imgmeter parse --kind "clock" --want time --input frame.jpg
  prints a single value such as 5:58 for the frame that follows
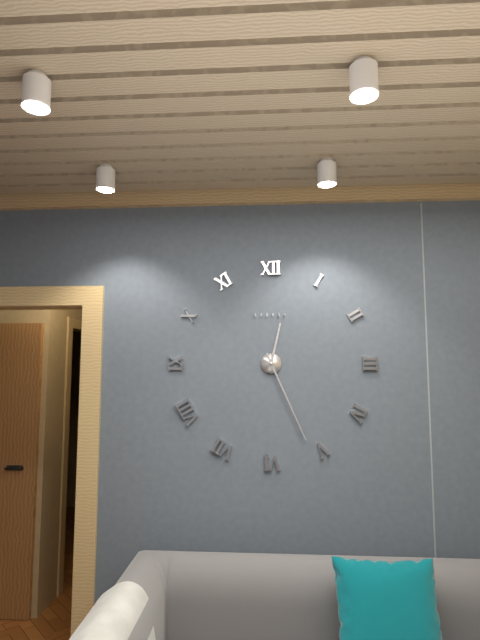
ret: 12:26
